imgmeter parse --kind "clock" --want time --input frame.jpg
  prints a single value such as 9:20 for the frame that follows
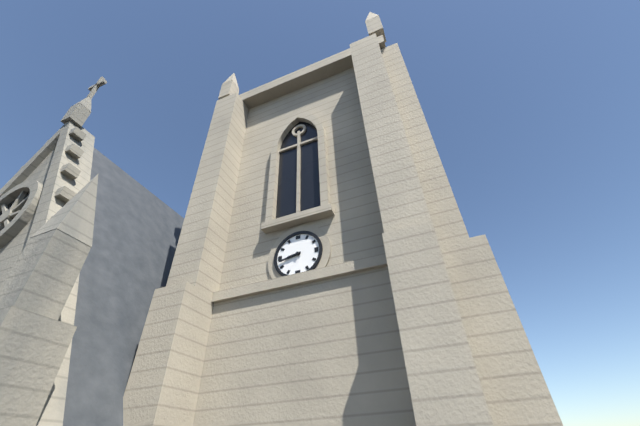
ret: 8:43
